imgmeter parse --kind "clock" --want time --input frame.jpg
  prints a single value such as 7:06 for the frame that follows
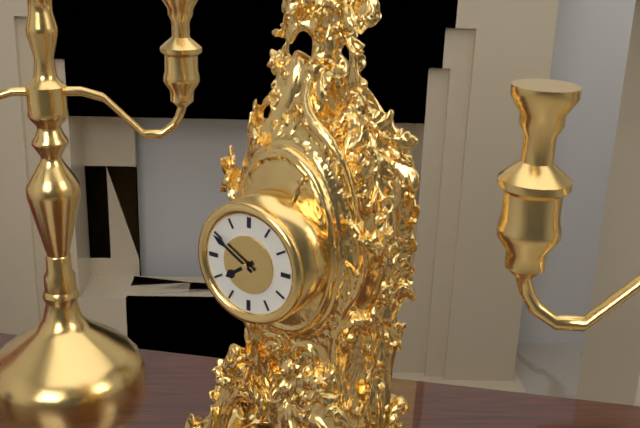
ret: 7:50
